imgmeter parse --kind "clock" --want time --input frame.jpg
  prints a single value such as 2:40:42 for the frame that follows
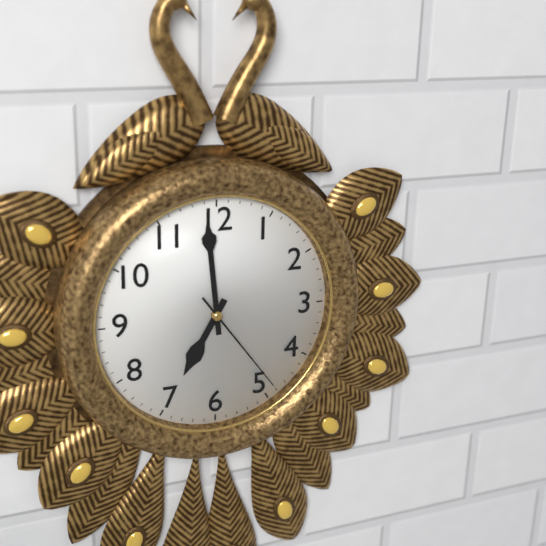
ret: 6:59:24
